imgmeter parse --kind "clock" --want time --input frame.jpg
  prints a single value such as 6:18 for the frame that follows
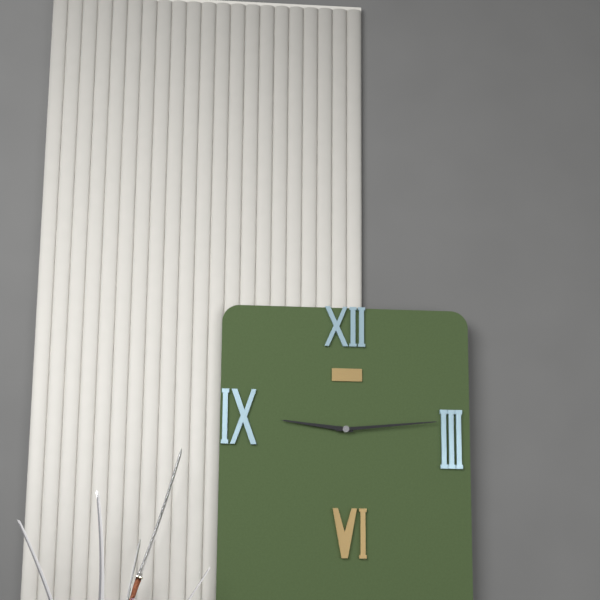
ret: 9:14
